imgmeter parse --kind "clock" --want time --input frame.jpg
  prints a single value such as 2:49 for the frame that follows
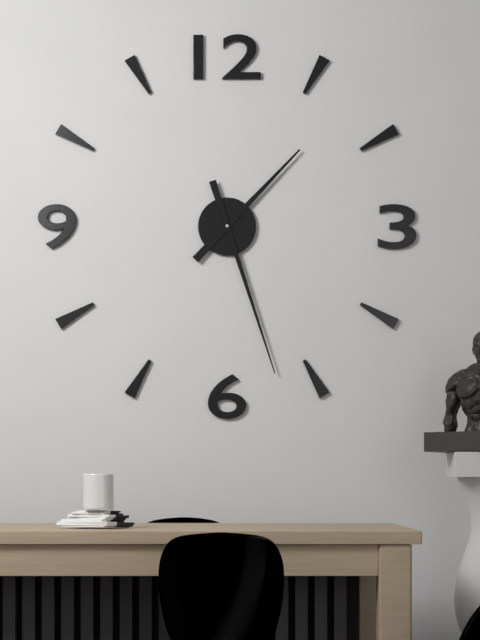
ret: 1:27
